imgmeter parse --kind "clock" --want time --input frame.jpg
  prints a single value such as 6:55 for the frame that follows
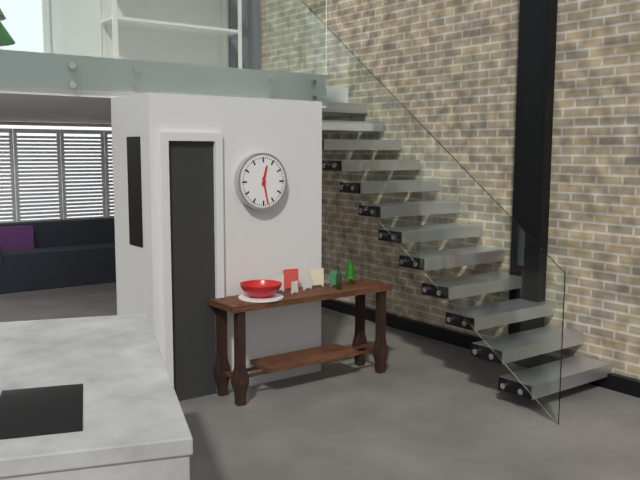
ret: 12:28
